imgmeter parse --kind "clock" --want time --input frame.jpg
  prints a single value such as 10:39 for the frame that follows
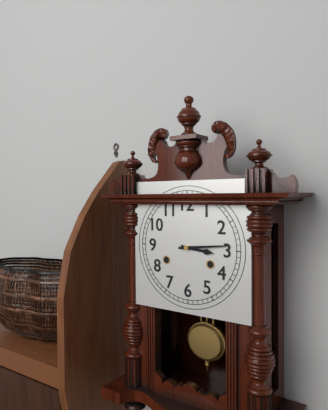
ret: 3:14
